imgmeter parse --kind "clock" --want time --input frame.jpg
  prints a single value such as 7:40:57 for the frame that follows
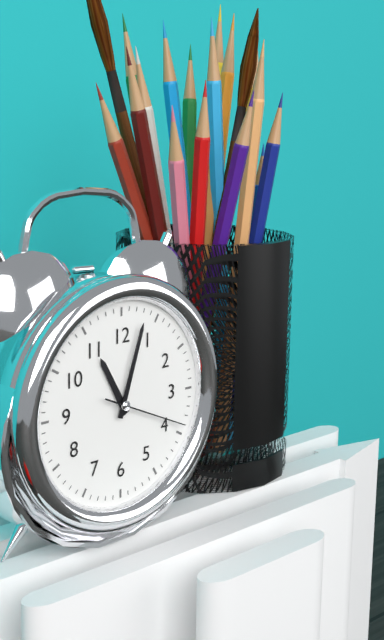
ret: 11:03:19
